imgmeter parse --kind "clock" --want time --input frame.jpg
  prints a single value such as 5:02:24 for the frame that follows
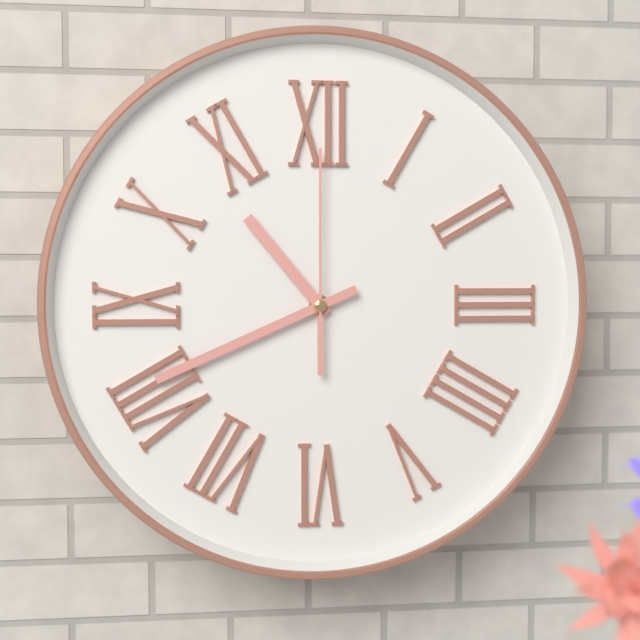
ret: 10:41:00
